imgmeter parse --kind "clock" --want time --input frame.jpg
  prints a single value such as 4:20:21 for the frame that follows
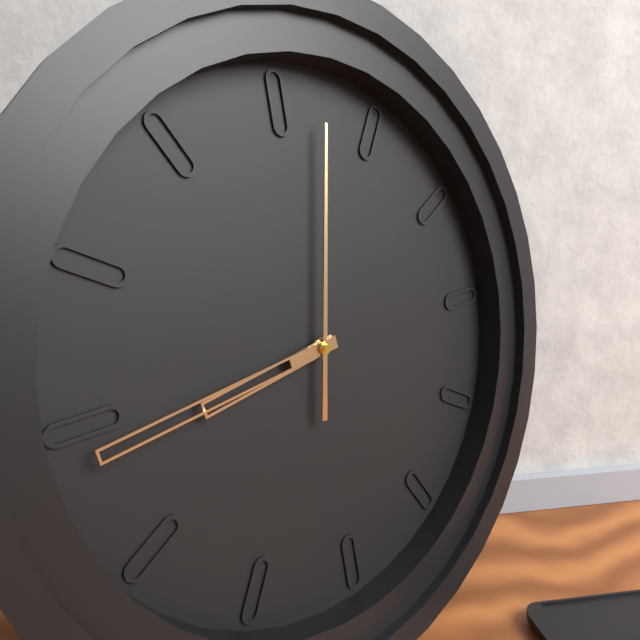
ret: 8:44:02
